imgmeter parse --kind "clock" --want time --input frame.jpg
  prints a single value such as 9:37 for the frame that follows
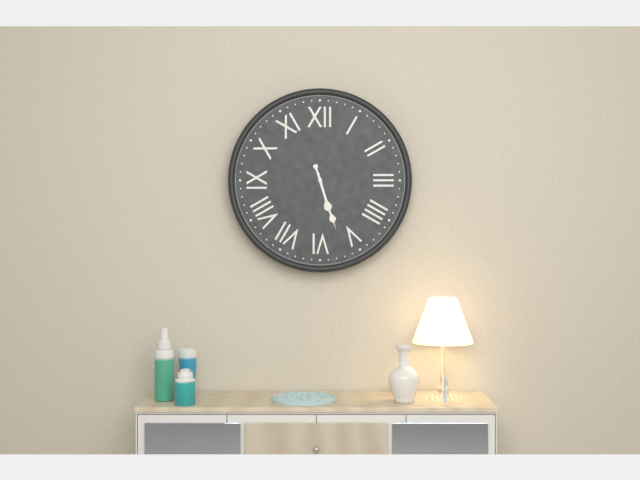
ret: 5:27
